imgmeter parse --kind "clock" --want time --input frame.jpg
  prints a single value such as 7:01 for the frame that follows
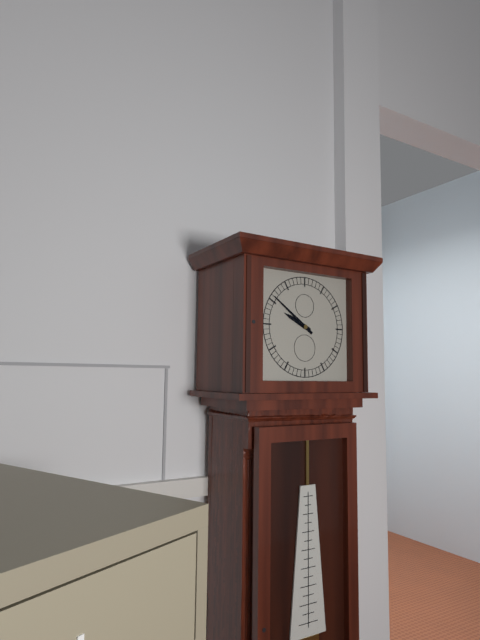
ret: 9:51
